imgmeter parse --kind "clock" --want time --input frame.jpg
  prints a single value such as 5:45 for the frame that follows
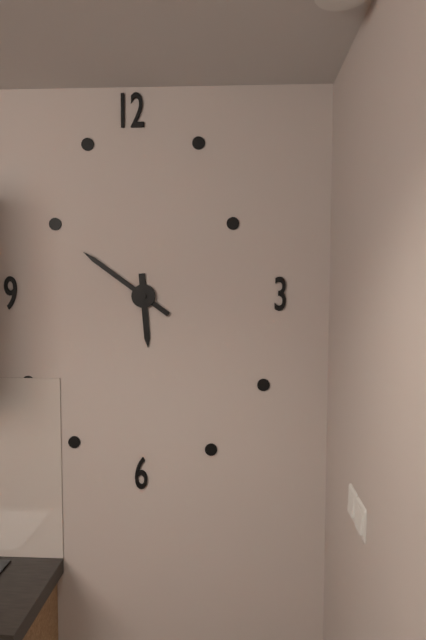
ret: 5:51
